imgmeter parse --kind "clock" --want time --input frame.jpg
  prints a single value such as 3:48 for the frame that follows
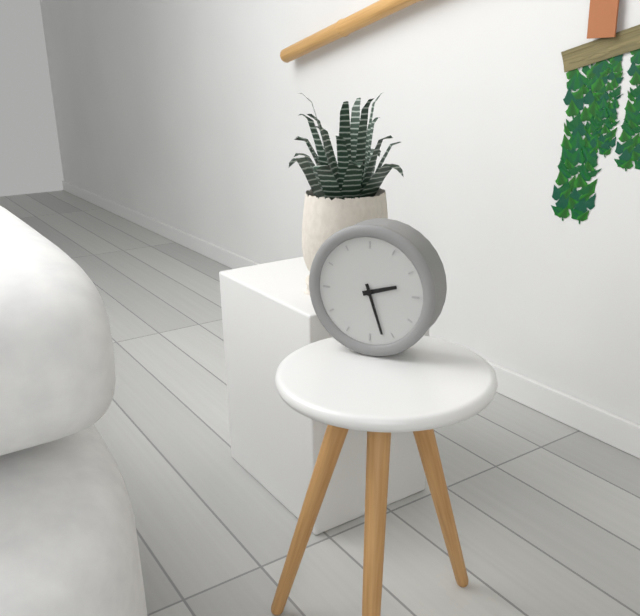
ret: 2:27
